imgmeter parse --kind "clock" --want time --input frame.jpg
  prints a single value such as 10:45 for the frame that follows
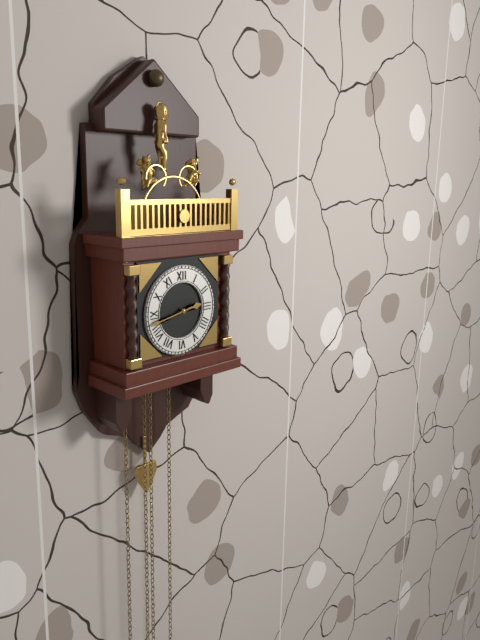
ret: 2:43
